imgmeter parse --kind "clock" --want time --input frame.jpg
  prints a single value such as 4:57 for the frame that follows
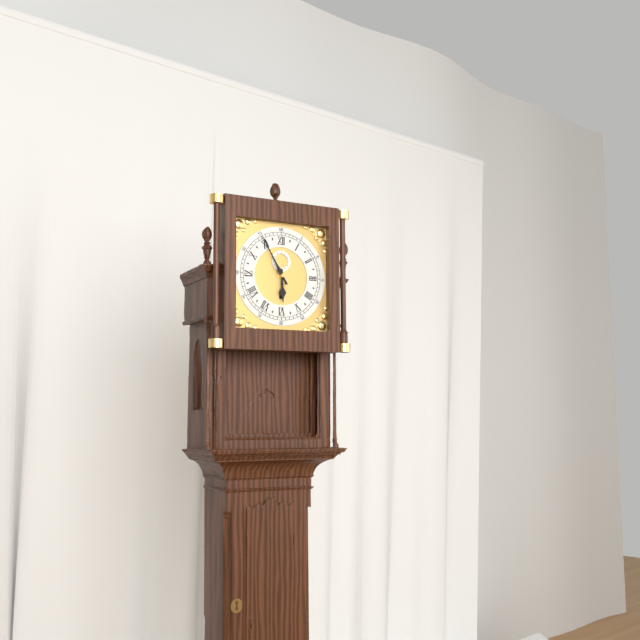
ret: 5:55
